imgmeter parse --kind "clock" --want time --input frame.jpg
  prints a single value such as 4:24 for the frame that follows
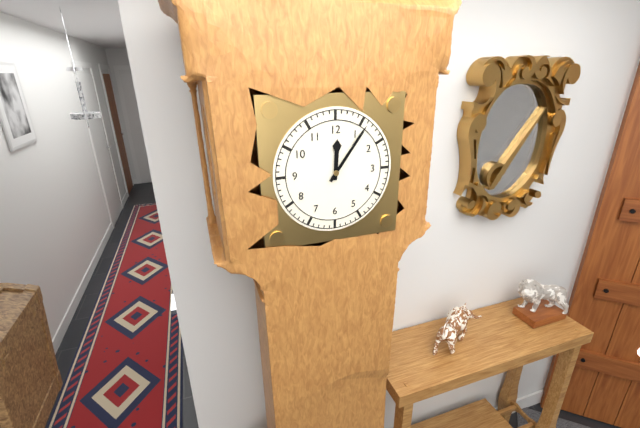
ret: 12:06
